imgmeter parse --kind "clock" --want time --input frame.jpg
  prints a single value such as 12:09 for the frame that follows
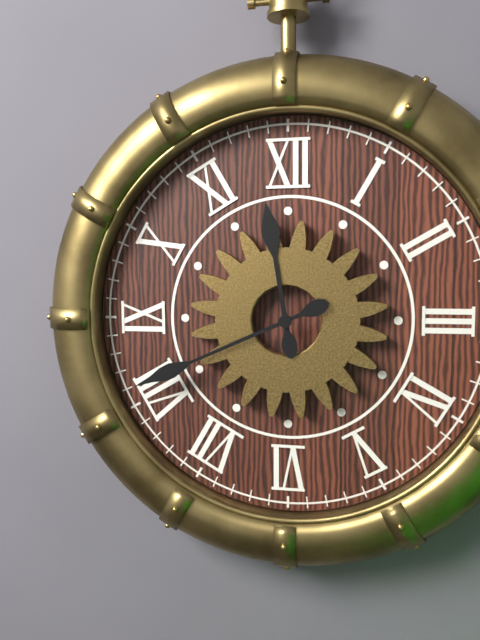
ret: 11:41
